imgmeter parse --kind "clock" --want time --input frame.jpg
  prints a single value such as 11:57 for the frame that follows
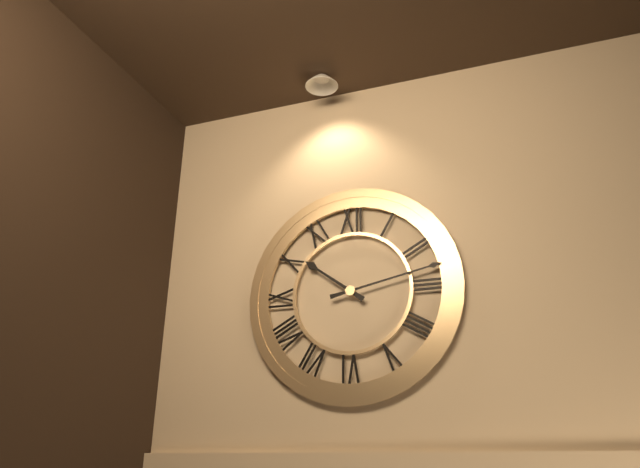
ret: 10:13
